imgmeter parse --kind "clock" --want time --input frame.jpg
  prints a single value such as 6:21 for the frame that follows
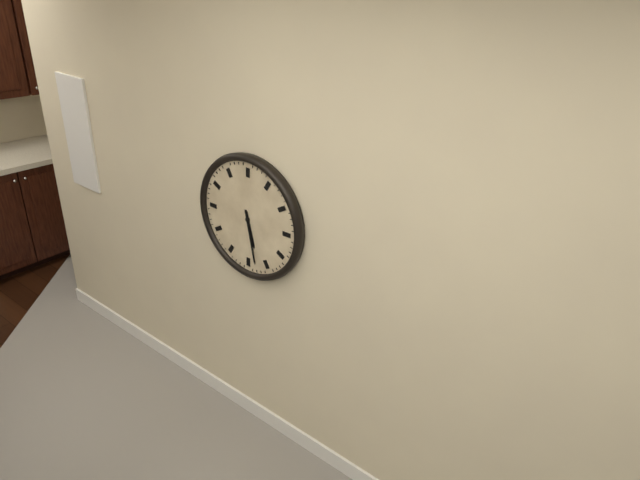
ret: 5:28
